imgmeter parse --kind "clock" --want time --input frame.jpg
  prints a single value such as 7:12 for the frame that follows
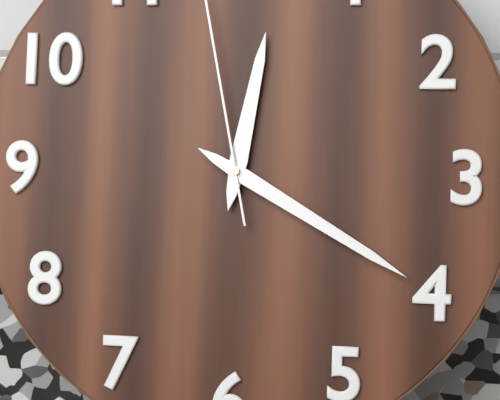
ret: 12:20
